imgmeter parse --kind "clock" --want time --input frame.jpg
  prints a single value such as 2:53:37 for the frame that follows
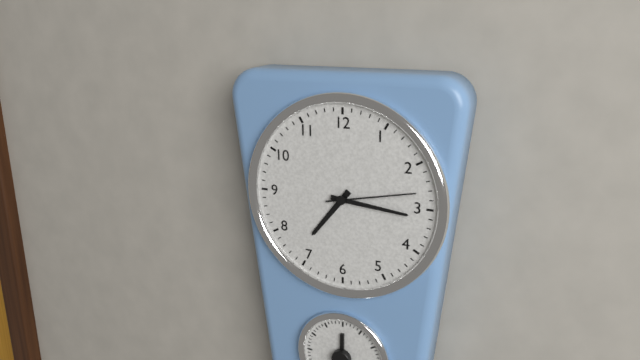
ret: 7:16:13
